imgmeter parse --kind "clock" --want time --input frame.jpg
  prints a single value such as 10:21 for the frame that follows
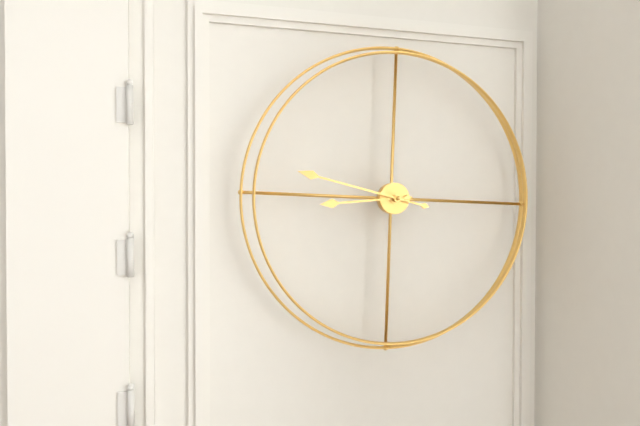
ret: 8:47
